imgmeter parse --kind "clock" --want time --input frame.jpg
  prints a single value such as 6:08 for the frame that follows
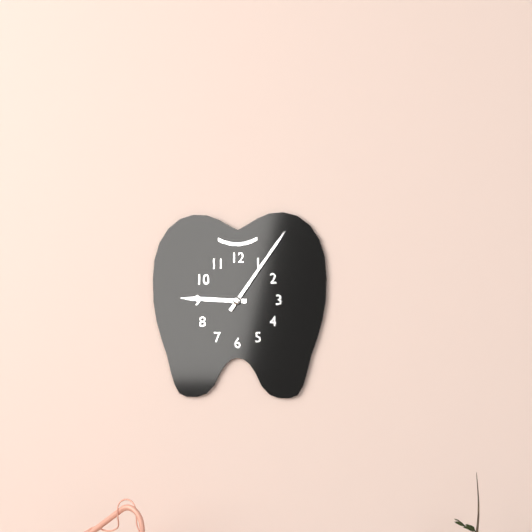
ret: 9:06
